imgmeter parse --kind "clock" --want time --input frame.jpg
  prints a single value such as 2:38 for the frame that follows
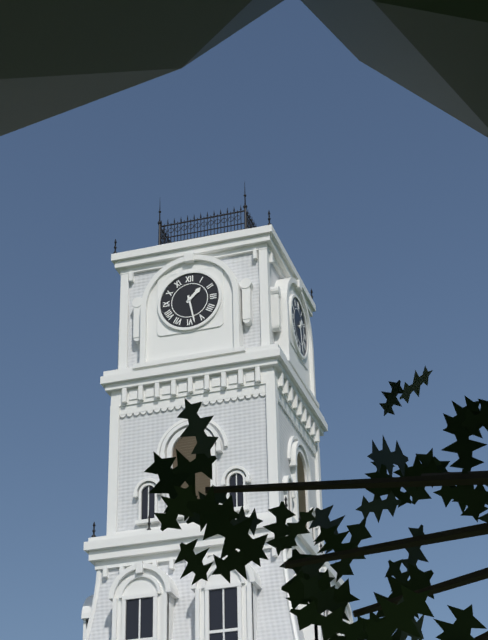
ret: 1:28
